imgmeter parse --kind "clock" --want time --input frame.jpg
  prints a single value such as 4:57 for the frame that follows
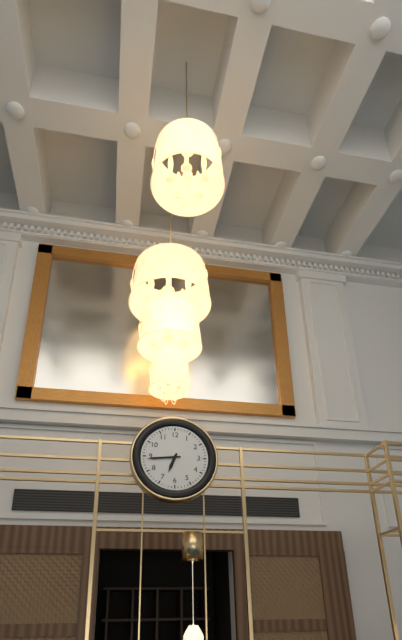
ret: 6:44
